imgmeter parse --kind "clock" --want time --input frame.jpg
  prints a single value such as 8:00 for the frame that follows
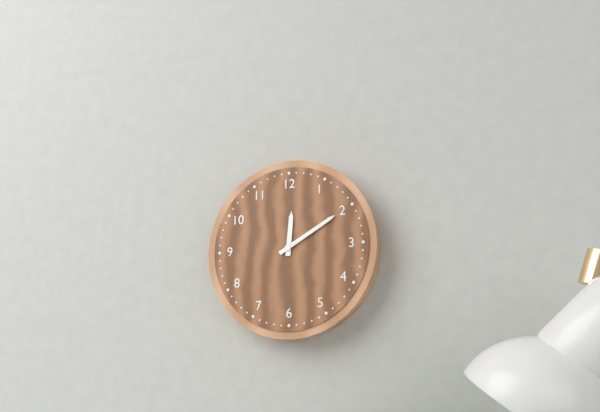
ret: 12:10
